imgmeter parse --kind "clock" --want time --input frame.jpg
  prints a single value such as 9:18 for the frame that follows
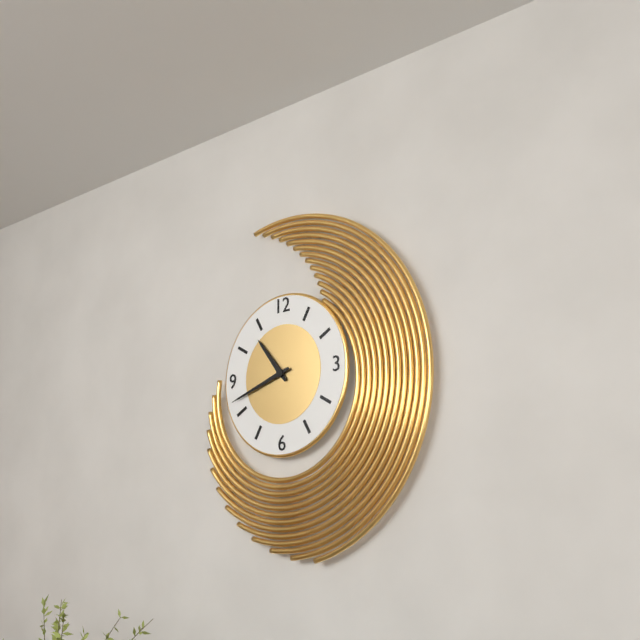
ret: 10:42
